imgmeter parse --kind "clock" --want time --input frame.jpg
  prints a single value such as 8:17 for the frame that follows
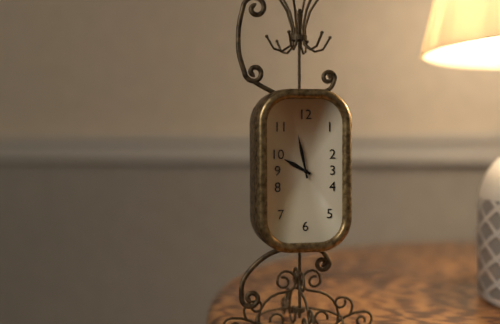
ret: 9:58
